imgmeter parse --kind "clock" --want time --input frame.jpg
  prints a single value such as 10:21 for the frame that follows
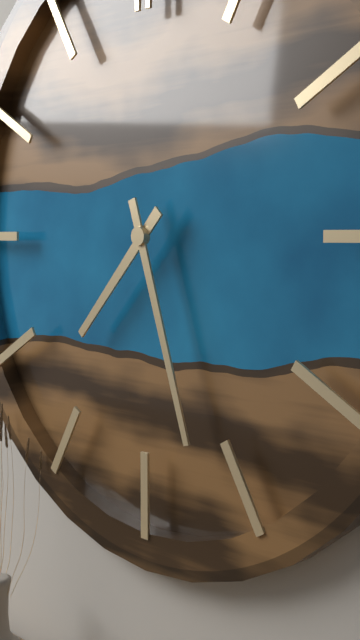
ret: 7:27
